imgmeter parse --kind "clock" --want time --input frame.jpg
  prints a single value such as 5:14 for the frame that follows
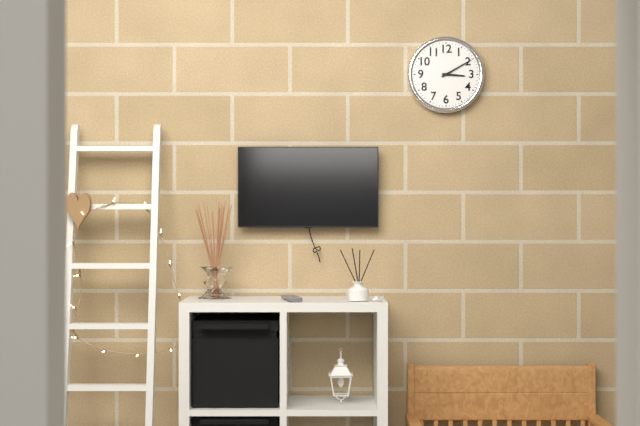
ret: 3:10
